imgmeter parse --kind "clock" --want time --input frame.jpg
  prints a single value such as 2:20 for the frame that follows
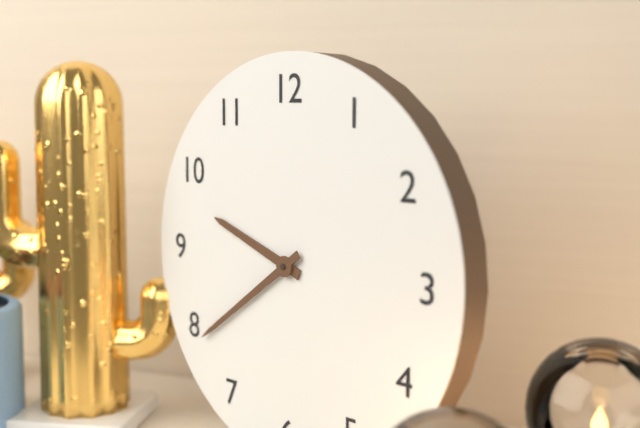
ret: 9:39
